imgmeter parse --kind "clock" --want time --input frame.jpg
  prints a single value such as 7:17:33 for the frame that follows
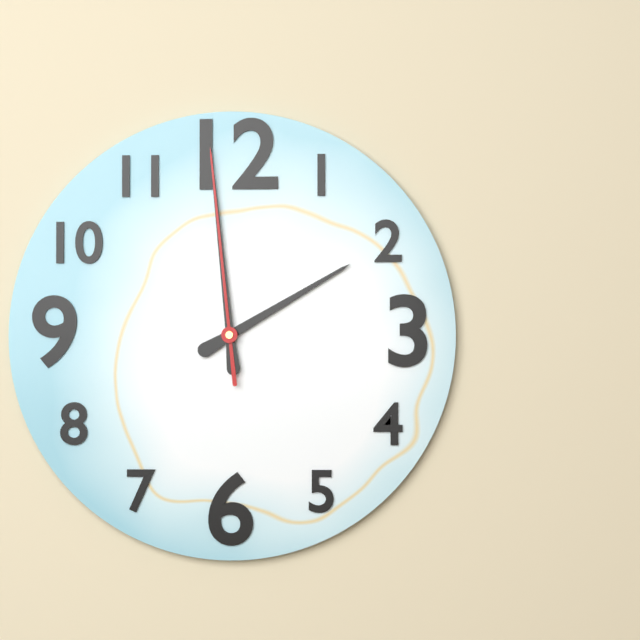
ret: 1:59:59
